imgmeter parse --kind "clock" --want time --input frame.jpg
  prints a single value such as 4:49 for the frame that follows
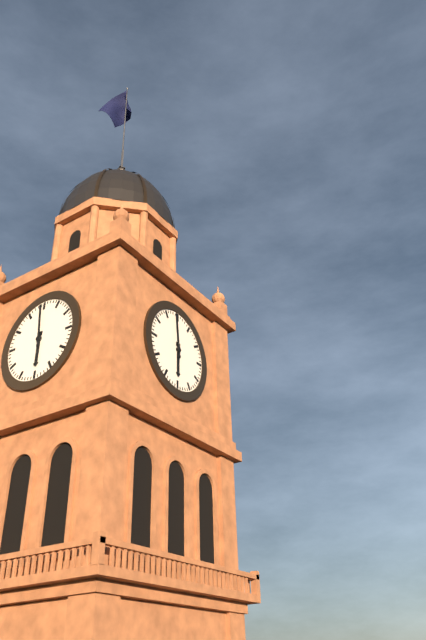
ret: 5:59
